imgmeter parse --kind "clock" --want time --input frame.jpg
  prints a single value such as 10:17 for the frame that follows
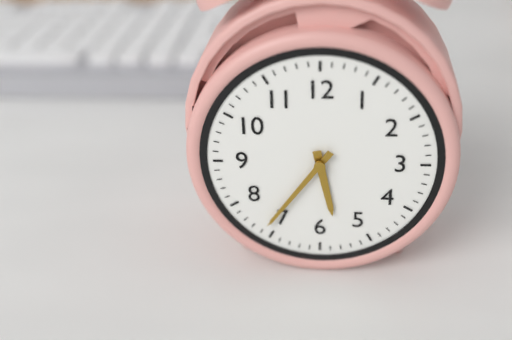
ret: 5:36
